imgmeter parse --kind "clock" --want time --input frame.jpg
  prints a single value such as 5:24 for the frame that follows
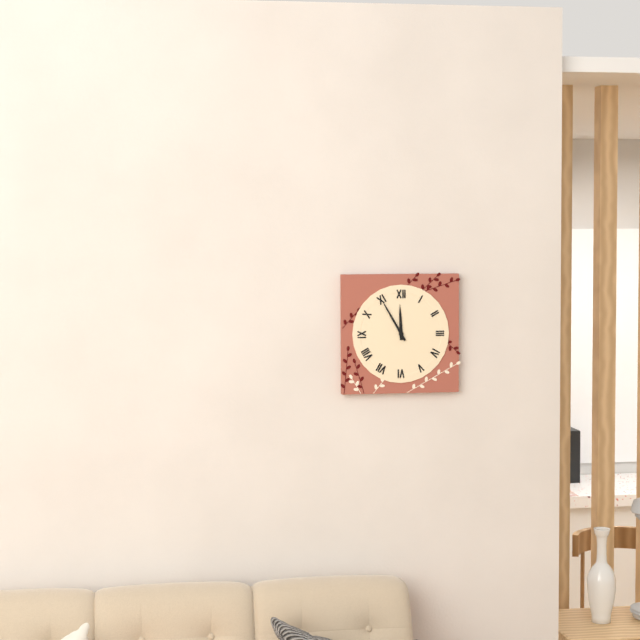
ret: 11:55
